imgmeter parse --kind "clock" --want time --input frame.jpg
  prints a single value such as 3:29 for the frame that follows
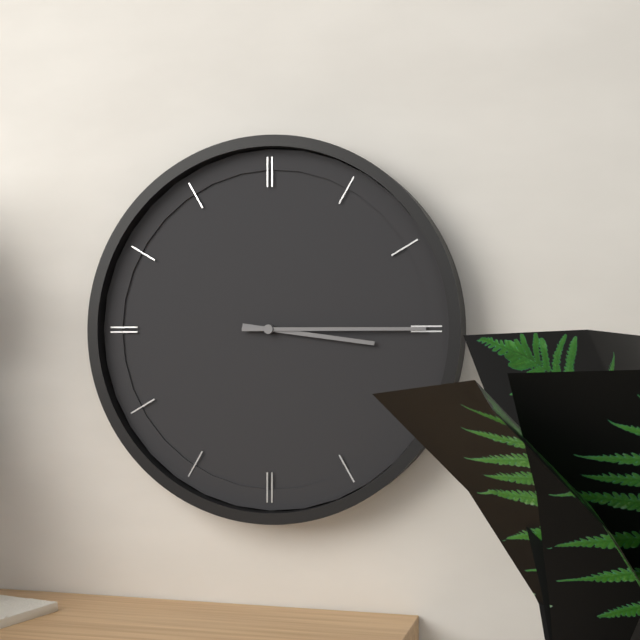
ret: 3:15
